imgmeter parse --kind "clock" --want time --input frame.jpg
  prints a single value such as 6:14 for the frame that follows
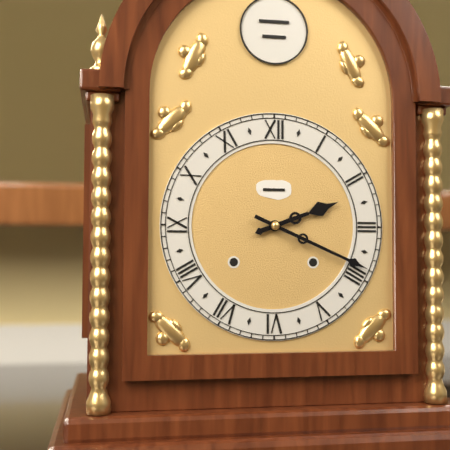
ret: 2:19
